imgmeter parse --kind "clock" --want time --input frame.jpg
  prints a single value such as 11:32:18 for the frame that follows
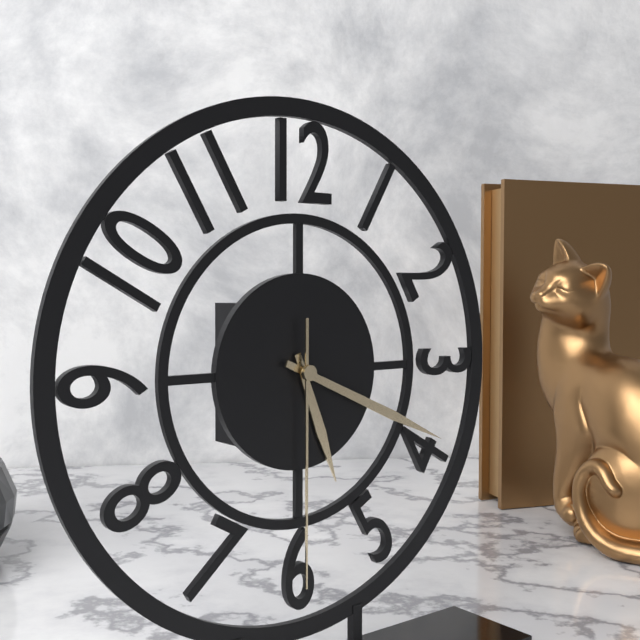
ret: 5:19:30
